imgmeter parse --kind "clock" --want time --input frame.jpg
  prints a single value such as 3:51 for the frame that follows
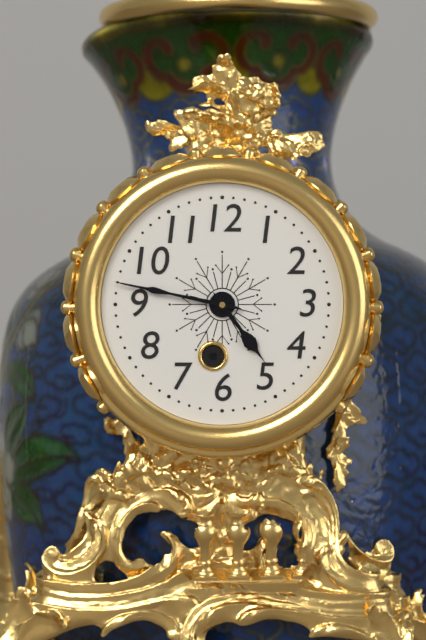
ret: 4:47
